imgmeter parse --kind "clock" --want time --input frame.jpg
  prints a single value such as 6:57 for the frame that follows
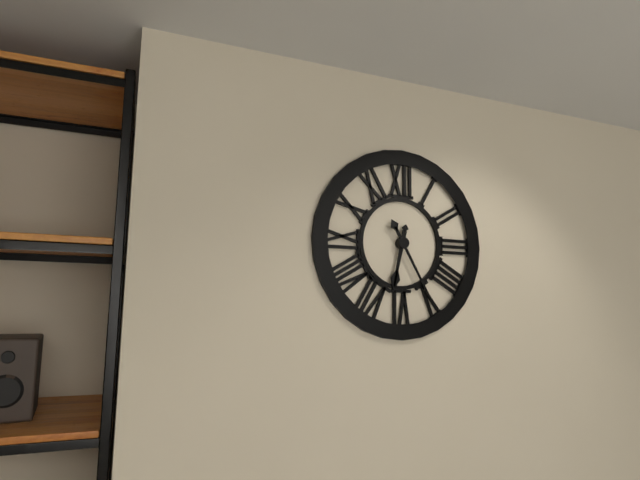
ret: 6:25
